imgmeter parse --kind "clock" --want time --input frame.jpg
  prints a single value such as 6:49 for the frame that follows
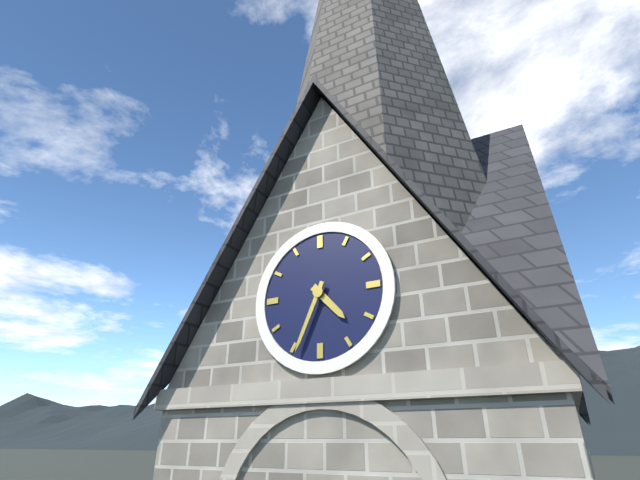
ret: 4:34
